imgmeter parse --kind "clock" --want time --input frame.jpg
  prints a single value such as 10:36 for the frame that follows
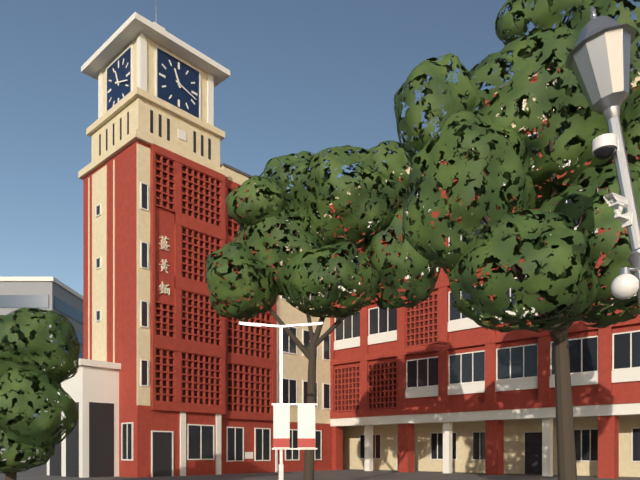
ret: 11:18
